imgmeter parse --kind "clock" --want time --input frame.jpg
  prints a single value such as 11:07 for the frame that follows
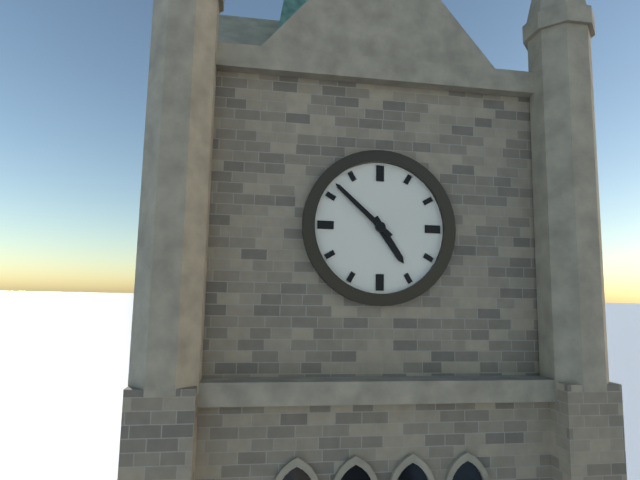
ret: 4:52
